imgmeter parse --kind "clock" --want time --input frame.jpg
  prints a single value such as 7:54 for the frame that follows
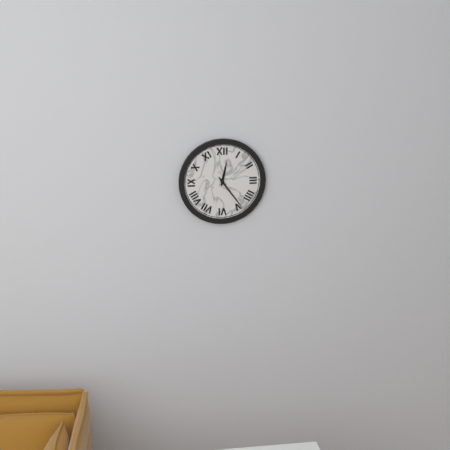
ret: 12:24
